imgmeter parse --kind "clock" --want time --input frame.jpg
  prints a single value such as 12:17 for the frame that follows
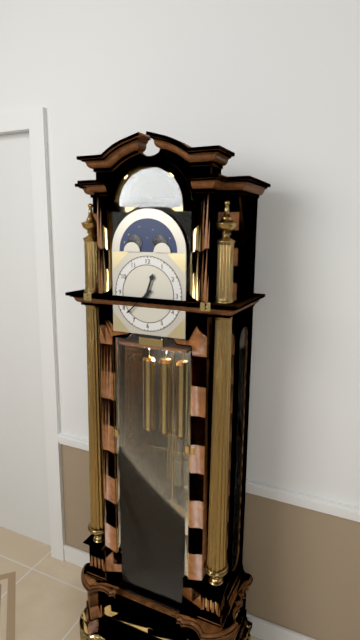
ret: 12:38
